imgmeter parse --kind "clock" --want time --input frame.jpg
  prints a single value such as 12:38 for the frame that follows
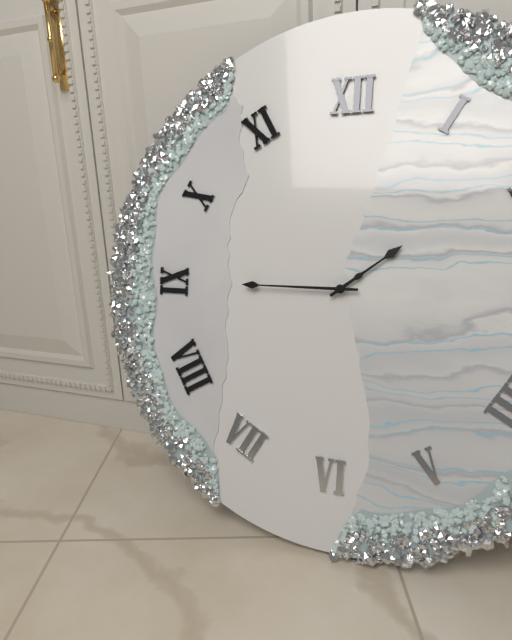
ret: 1:45
